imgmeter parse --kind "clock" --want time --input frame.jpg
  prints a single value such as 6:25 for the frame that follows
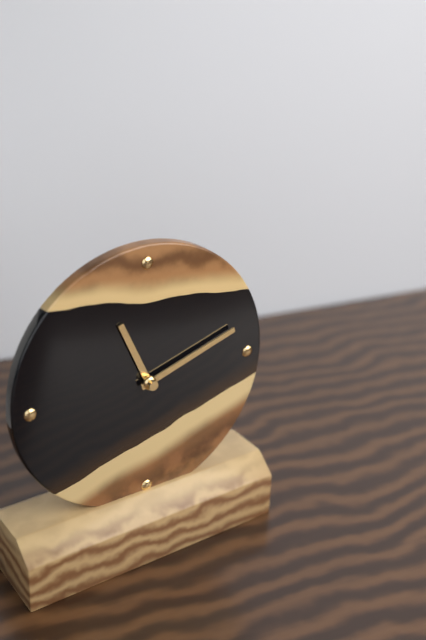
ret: 11:12
